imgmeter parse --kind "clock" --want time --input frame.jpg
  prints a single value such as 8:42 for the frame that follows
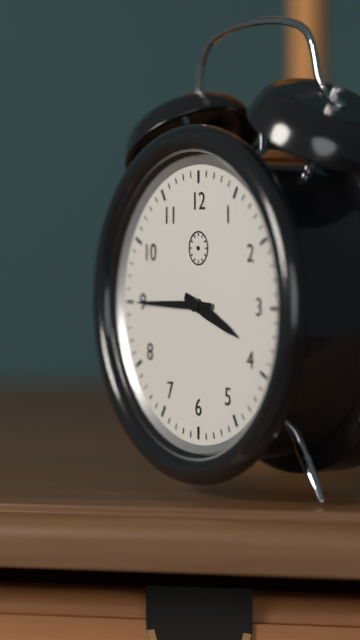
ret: 3:45
